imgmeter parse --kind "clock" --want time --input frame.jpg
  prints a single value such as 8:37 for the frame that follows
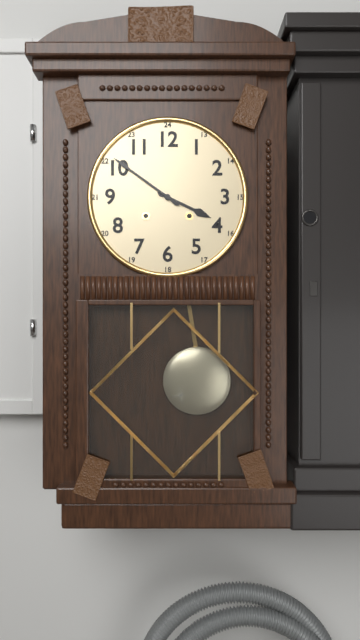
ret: 3:51
